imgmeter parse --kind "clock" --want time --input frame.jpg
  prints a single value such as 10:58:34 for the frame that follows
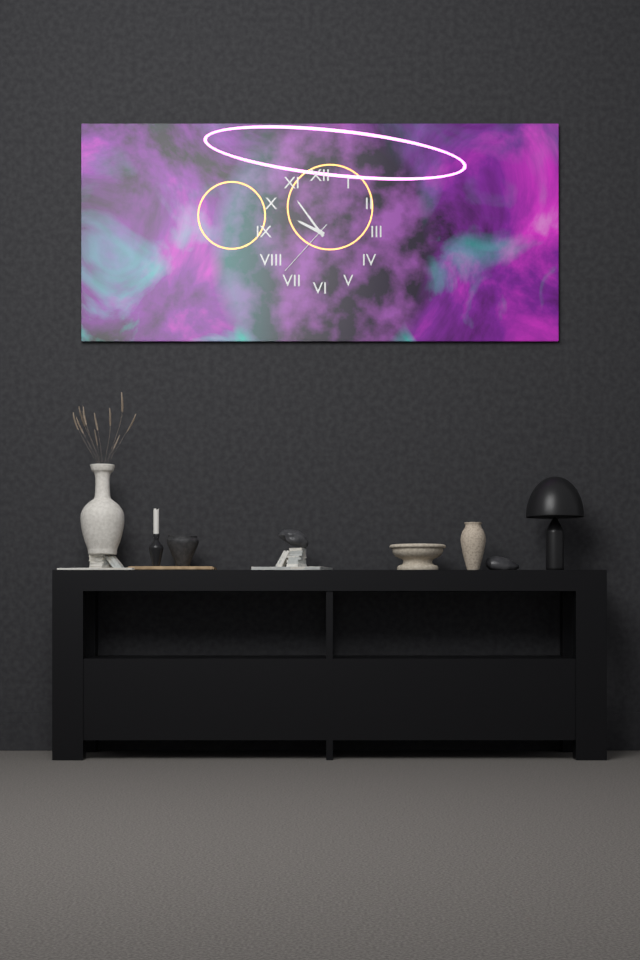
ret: 9:54:37
